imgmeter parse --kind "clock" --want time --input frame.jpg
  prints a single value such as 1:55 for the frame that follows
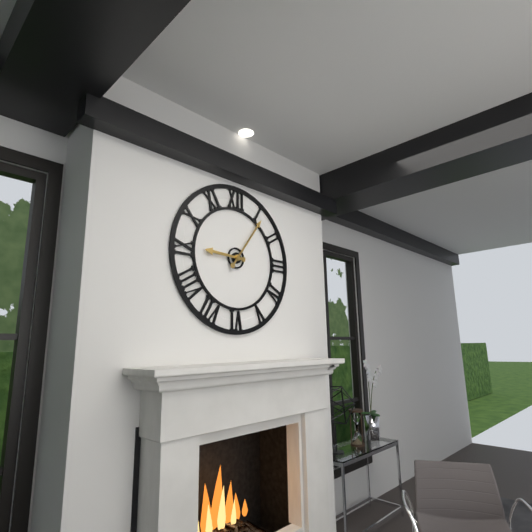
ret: 9:06
